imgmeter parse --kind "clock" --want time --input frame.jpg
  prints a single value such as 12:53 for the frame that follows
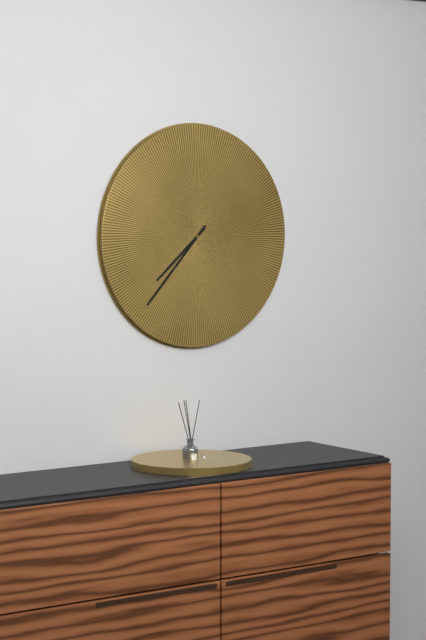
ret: 7:37
